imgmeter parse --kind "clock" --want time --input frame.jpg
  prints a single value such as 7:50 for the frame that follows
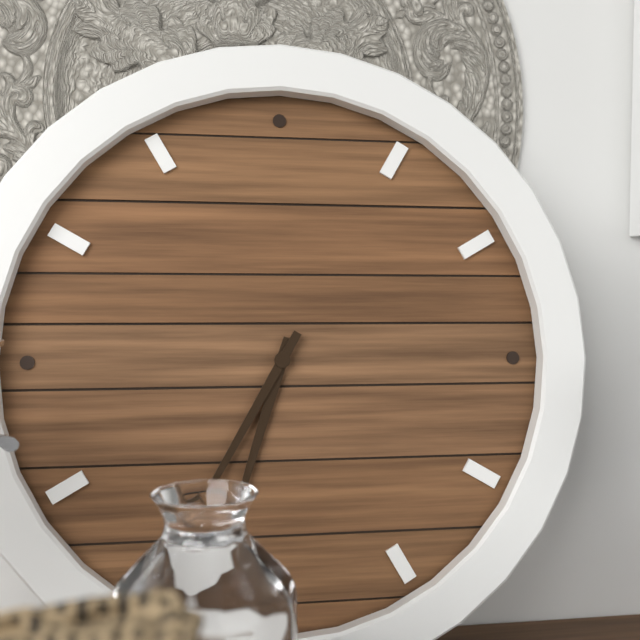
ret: 6:35
